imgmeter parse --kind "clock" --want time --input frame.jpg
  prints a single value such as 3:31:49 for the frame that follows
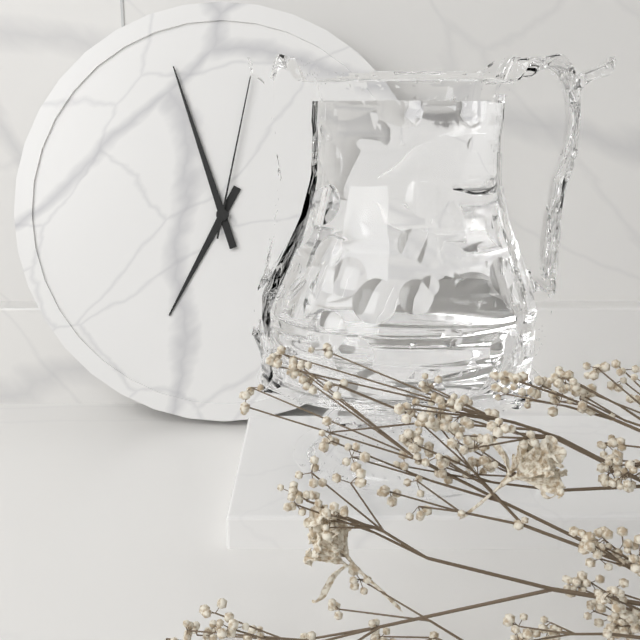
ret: 6:57:02
